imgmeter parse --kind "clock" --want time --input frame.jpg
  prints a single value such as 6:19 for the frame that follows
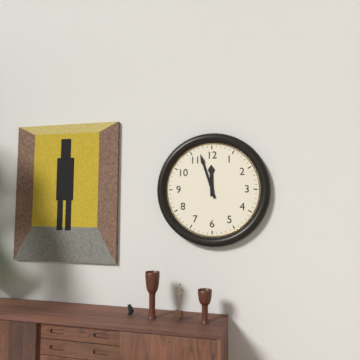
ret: 11:57
